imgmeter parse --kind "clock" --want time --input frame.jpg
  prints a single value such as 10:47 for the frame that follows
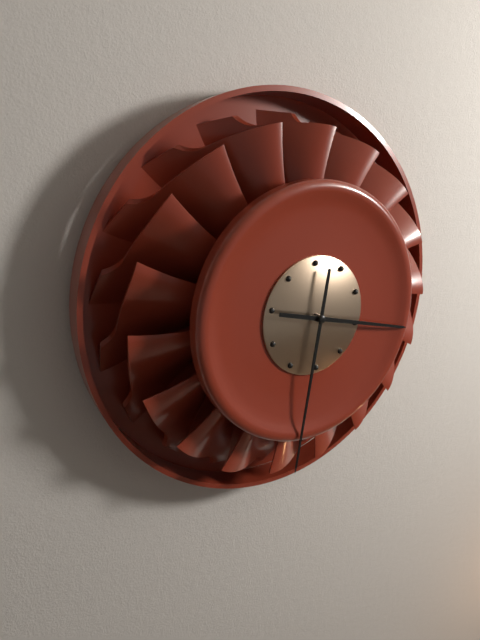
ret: 3:32
